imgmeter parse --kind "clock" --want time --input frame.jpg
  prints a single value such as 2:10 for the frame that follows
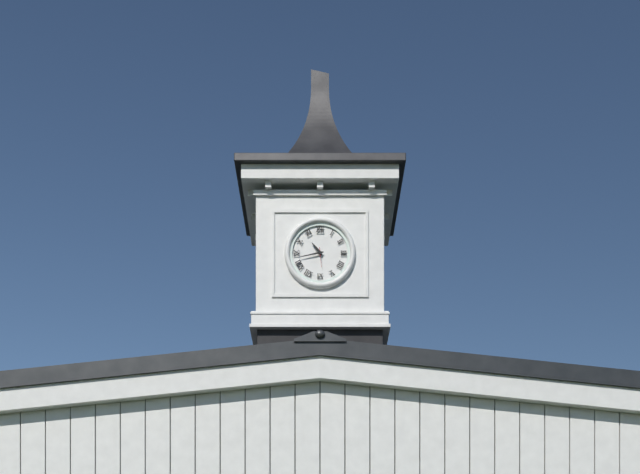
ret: 10:43
